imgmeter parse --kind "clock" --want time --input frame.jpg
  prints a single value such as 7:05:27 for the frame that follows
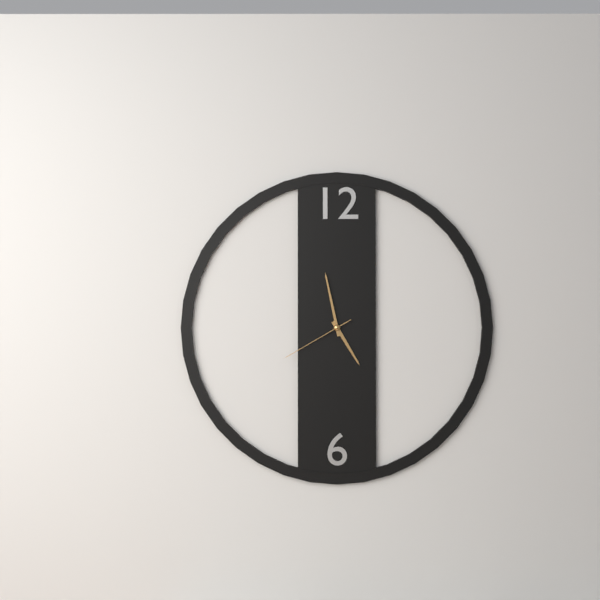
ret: 4:58:40
